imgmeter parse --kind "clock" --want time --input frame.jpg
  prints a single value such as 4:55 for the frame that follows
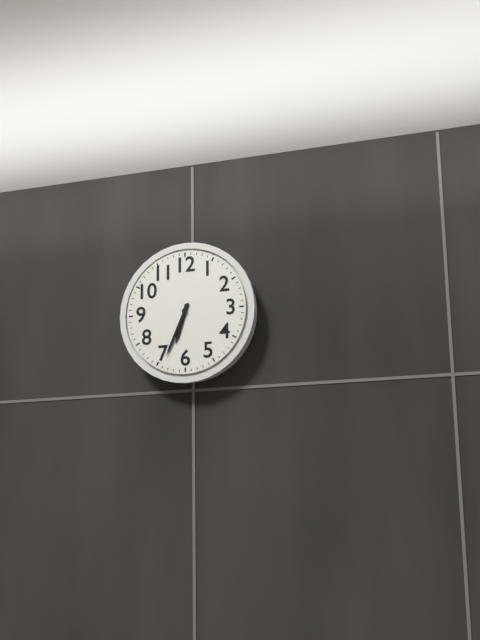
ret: 6:34
